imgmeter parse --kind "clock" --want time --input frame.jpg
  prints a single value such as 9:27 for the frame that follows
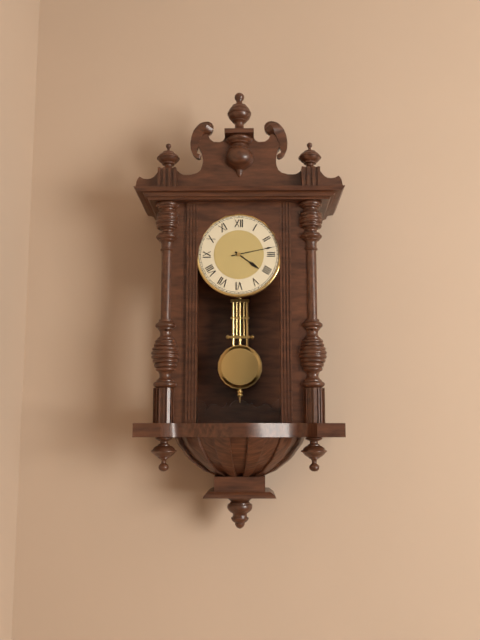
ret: 4:13
